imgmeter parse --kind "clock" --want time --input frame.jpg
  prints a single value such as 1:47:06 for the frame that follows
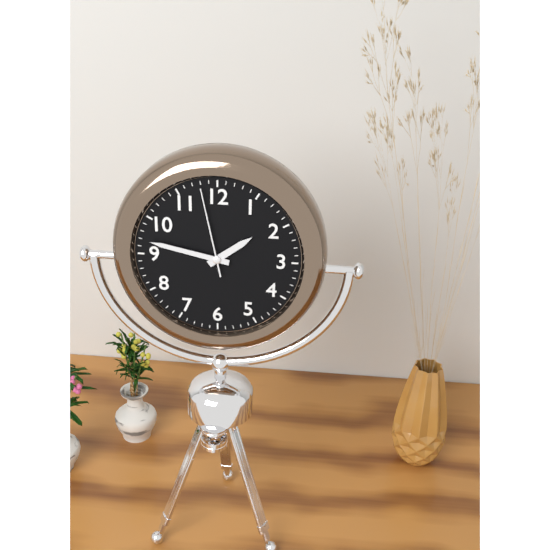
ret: 1:47:58
